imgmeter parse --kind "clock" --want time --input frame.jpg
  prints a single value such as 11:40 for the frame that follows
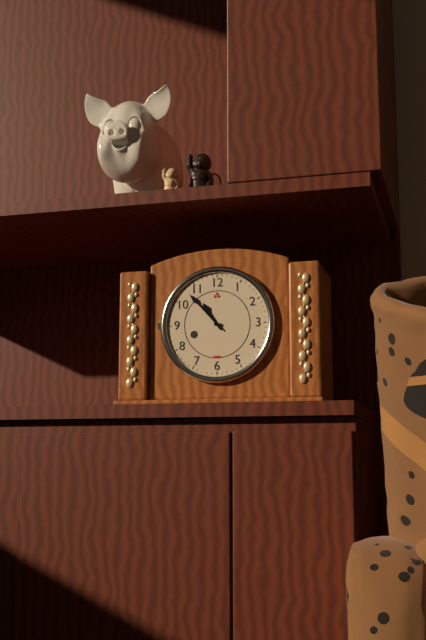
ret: 10:53
